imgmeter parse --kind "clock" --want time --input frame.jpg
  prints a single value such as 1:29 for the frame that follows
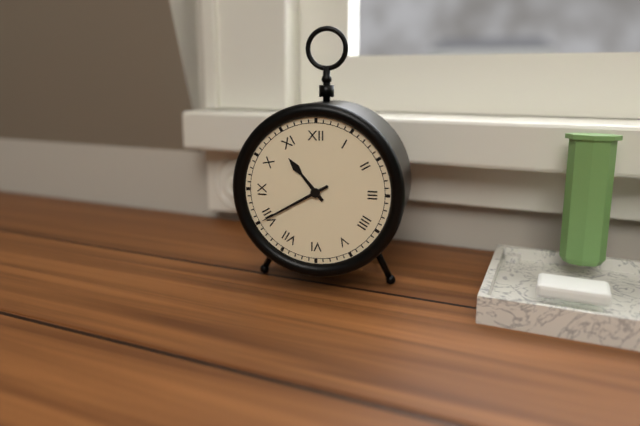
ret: 10:40
